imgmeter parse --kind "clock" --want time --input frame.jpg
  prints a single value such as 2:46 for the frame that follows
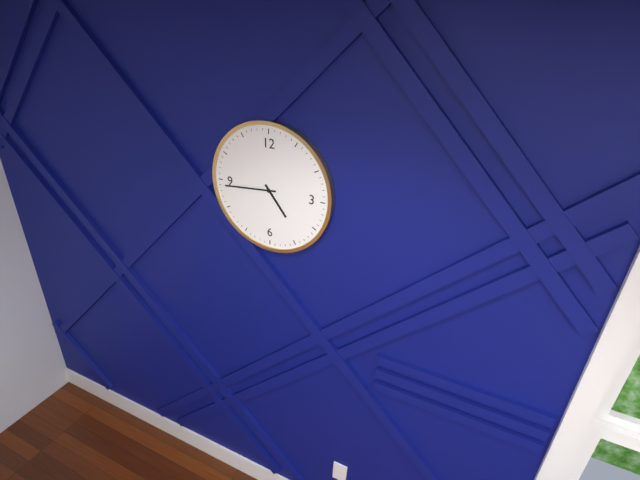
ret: 4:44
